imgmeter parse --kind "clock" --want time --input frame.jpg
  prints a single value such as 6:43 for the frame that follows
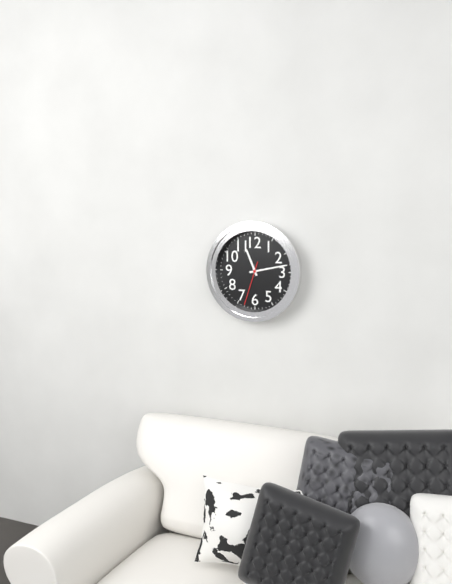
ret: 11:13
